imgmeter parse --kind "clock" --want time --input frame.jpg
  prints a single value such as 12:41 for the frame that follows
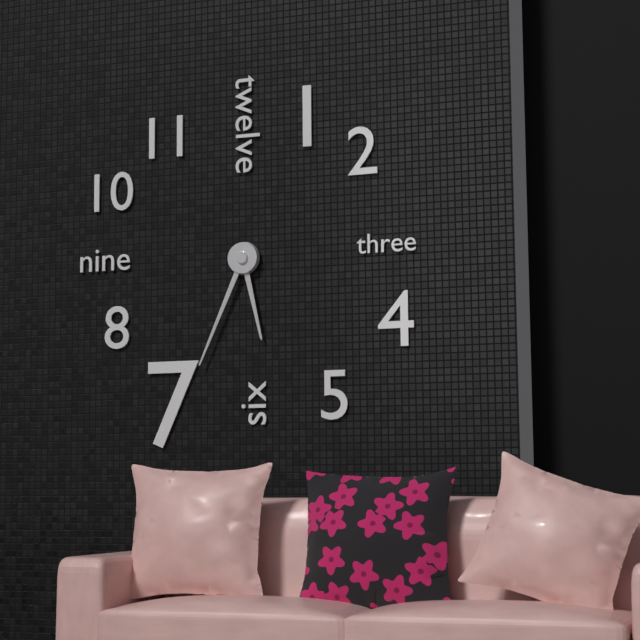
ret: 5:34
